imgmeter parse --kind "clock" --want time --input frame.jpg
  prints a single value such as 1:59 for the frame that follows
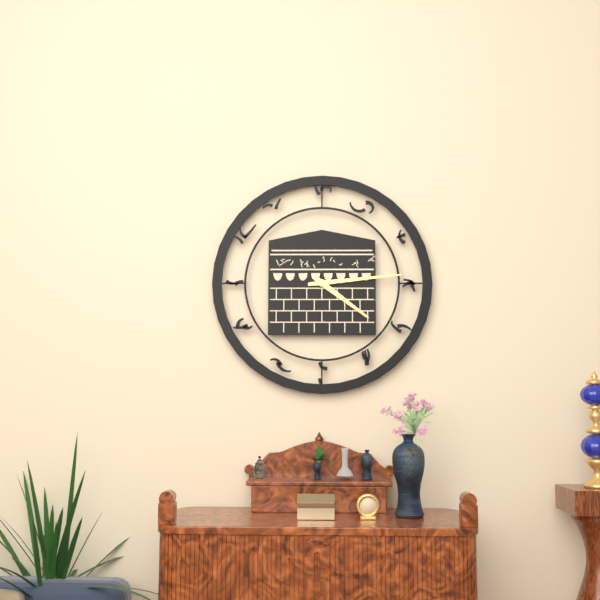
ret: 4:14
